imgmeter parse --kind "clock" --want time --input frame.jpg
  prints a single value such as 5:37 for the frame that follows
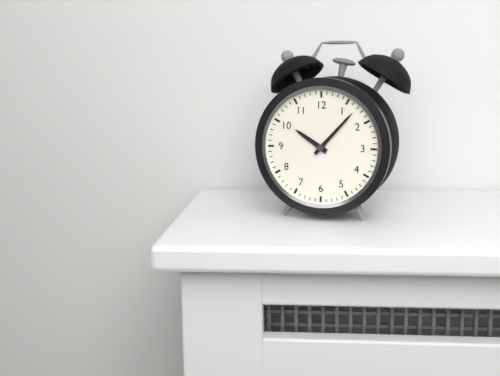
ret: 10:07
